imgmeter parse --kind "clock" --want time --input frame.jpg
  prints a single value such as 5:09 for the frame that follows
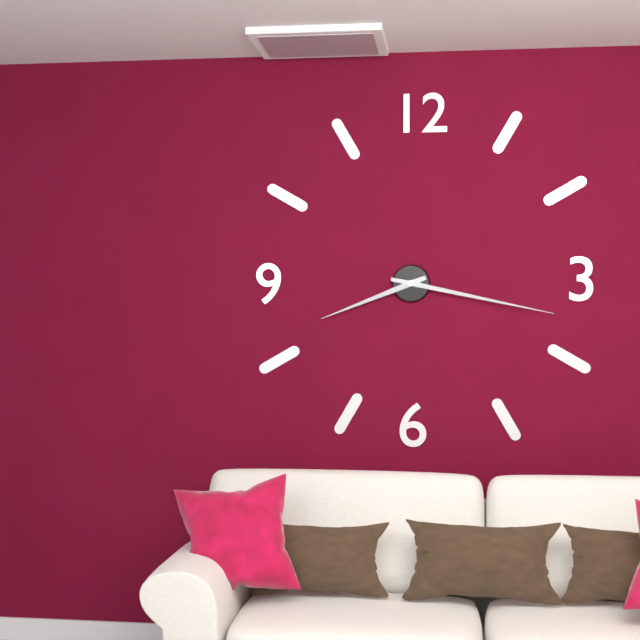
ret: 8:17
